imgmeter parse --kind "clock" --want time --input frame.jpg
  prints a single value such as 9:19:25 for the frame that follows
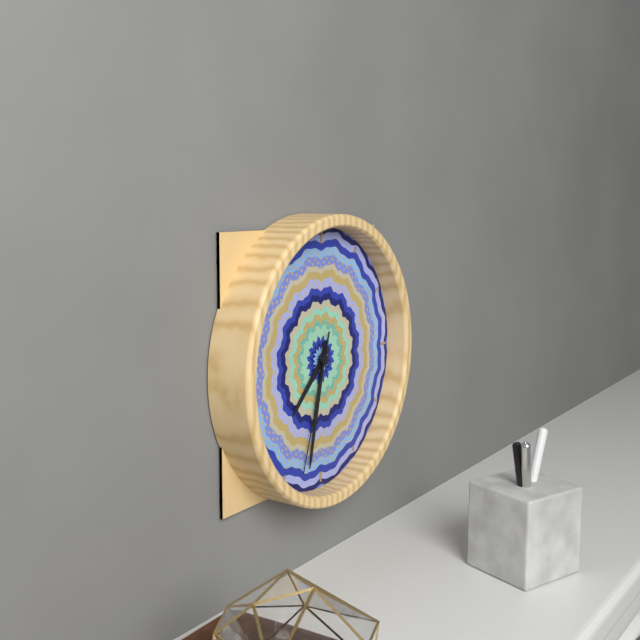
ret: 7:32:33
